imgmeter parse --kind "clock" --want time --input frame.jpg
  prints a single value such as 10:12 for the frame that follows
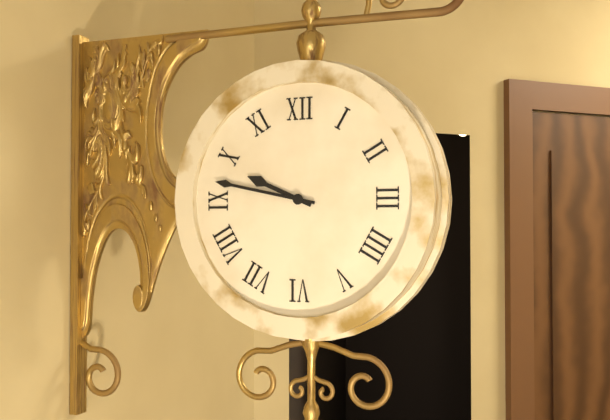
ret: 9:47
